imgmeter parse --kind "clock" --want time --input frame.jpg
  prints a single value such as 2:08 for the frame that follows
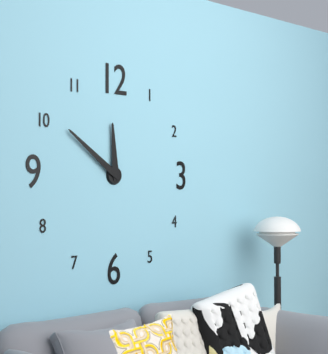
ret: 11:51
